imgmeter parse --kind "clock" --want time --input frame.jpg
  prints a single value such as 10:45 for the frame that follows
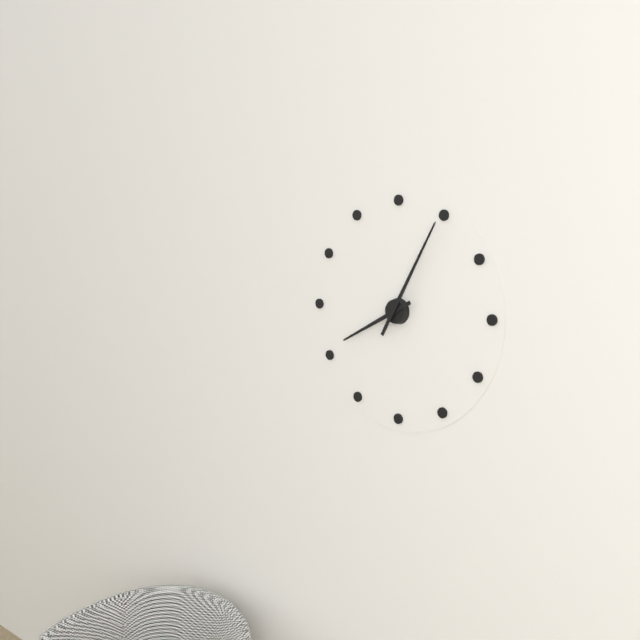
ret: 8:05
